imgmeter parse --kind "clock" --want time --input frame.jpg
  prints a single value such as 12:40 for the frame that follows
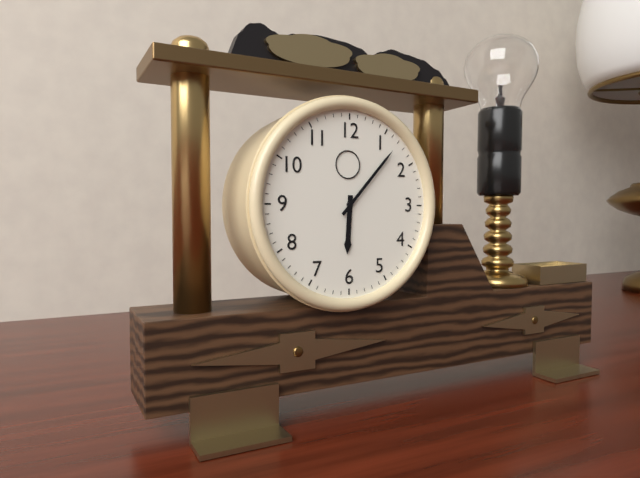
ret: 6:07
